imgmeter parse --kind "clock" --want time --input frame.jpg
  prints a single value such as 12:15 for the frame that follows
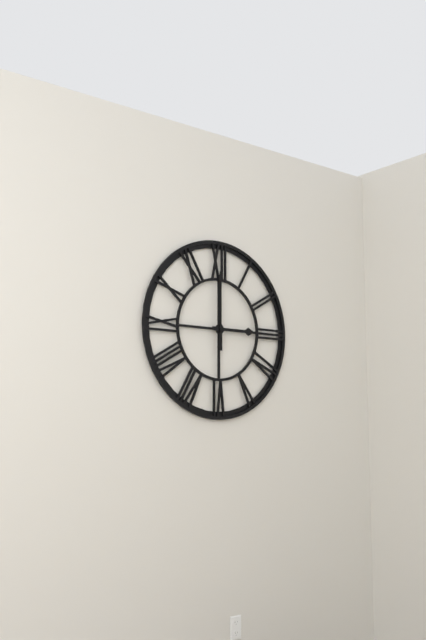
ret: 3:00
